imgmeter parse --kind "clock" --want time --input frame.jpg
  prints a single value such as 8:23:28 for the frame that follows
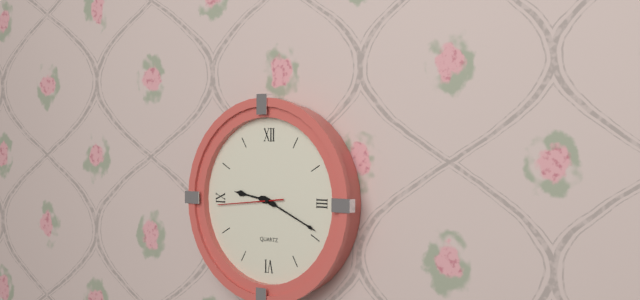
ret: 9:19:44
